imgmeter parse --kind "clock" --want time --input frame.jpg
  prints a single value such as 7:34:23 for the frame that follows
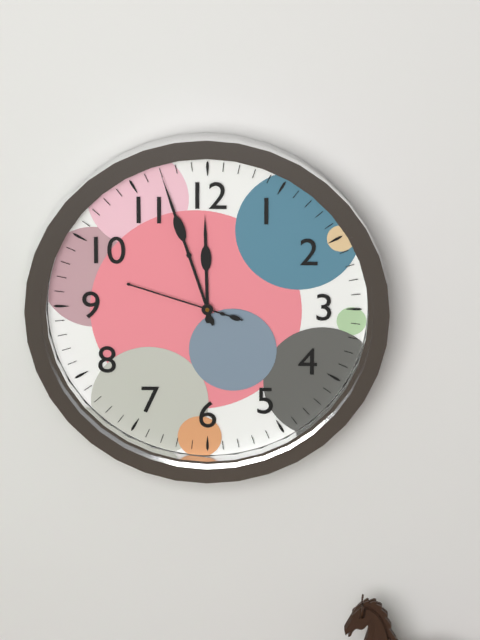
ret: 11:57:48
